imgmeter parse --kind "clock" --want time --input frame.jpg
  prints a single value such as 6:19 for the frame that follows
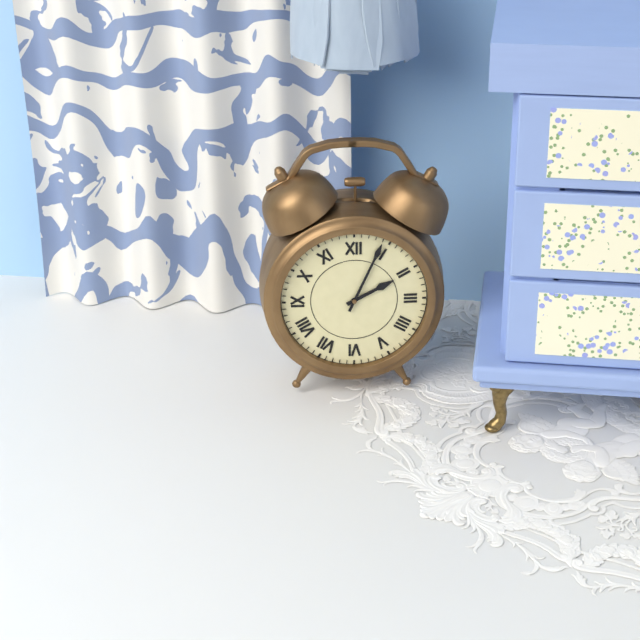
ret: 2:04
